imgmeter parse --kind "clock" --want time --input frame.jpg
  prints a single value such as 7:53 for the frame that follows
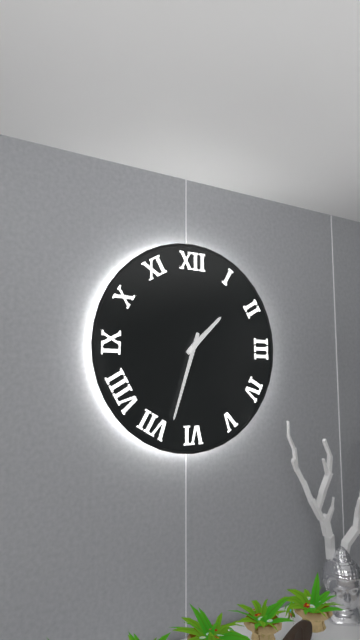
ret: 1:33
